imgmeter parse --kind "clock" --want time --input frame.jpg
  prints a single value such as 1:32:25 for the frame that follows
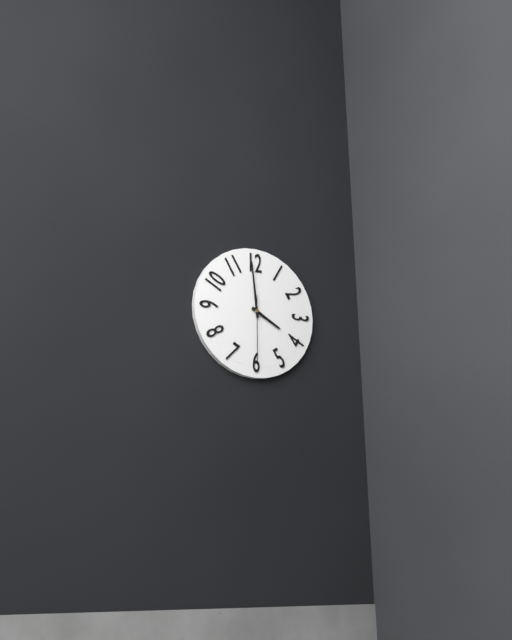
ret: 3:59:30
